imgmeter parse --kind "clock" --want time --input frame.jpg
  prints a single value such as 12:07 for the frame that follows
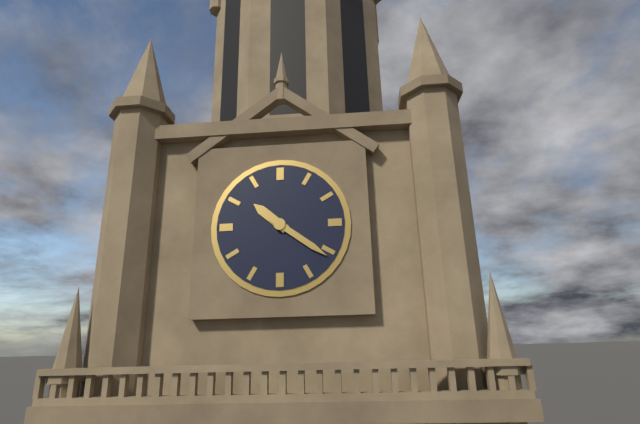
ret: 10:21
